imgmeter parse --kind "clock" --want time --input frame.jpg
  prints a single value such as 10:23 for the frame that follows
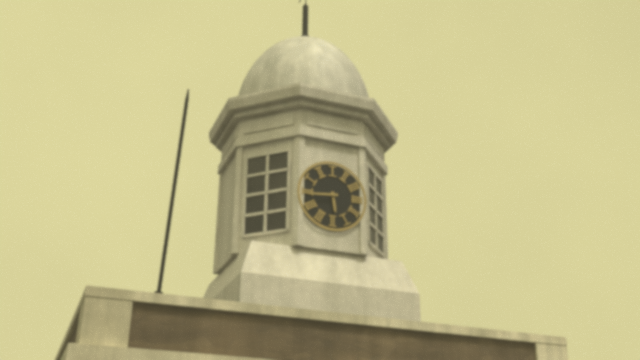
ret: 5:44
